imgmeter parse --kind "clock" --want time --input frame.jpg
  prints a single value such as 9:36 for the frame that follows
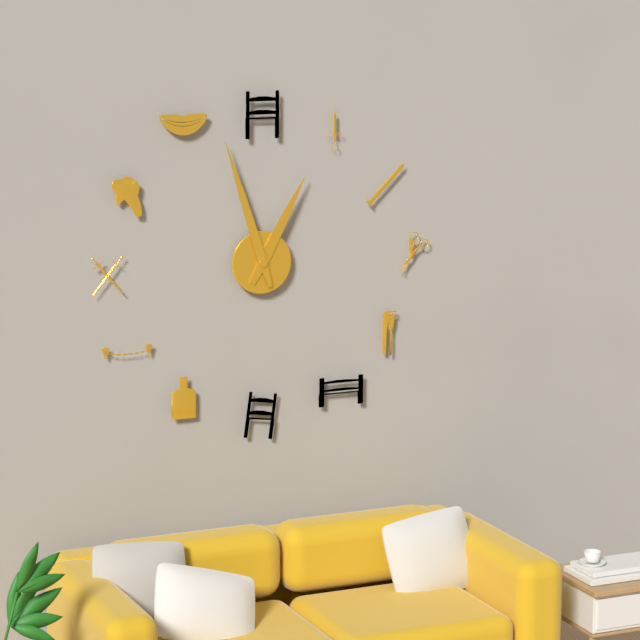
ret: 12:57
